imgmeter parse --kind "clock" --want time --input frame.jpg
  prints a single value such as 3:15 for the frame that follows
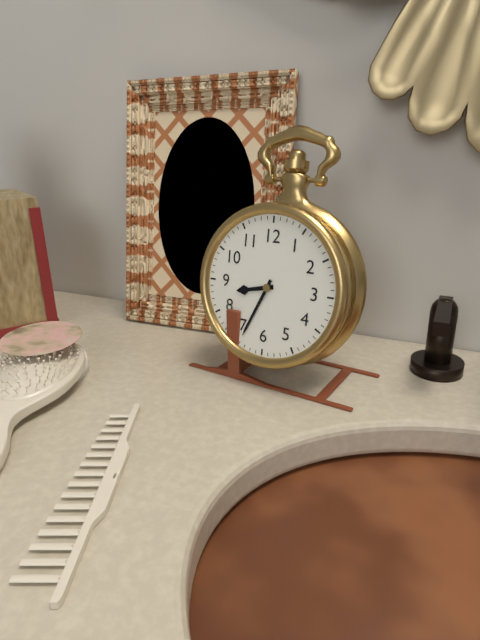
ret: 8:34
